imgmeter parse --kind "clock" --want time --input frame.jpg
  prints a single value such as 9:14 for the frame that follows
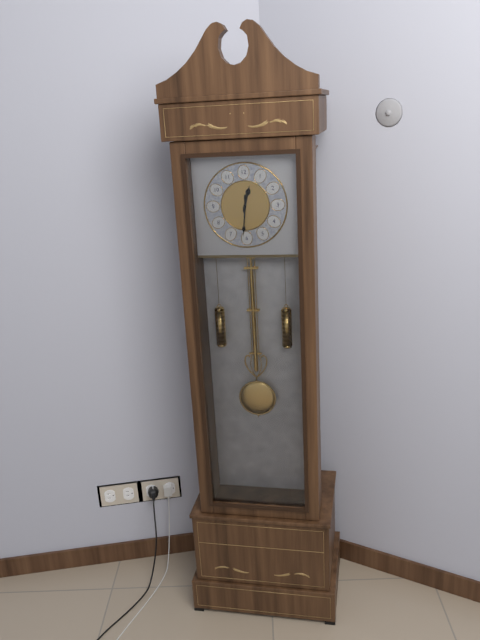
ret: 12:31
